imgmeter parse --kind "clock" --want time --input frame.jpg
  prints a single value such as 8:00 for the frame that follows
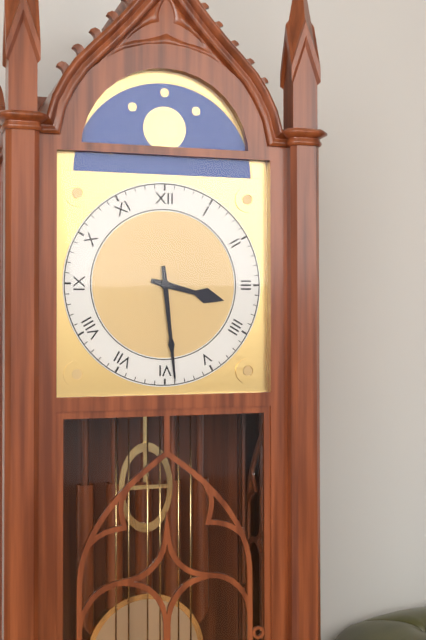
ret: 3:29
